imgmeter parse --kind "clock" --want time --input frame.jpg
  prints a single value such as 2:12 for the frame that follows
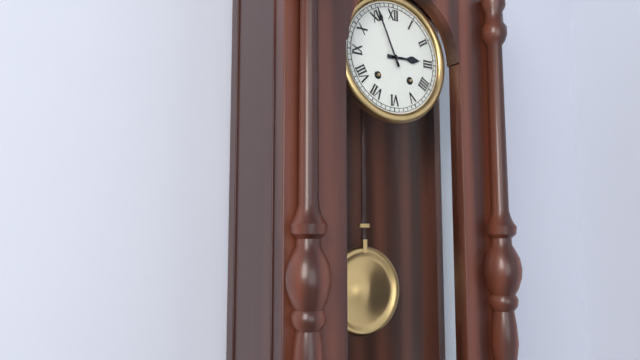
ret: 2:56
